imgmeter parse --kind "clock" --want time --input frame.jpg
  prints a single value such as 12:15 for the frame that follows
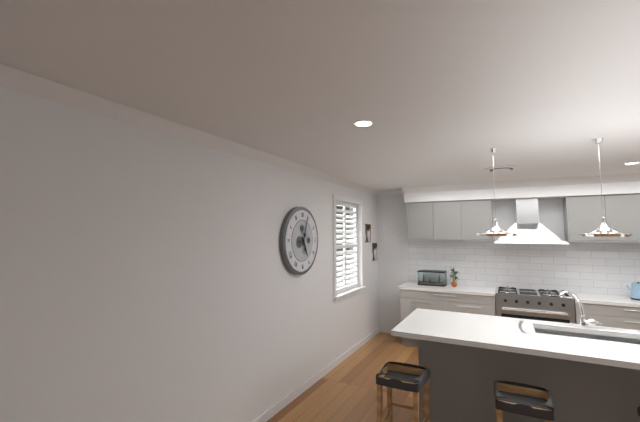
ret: 5:03
